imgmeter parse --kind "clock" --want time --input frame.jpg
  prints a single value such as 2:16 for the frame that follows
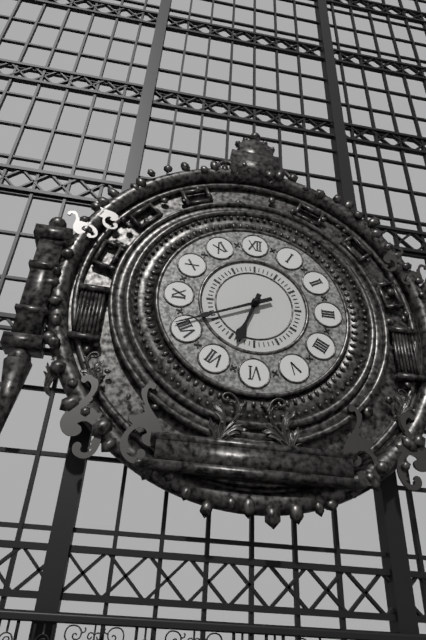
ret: 6:41
